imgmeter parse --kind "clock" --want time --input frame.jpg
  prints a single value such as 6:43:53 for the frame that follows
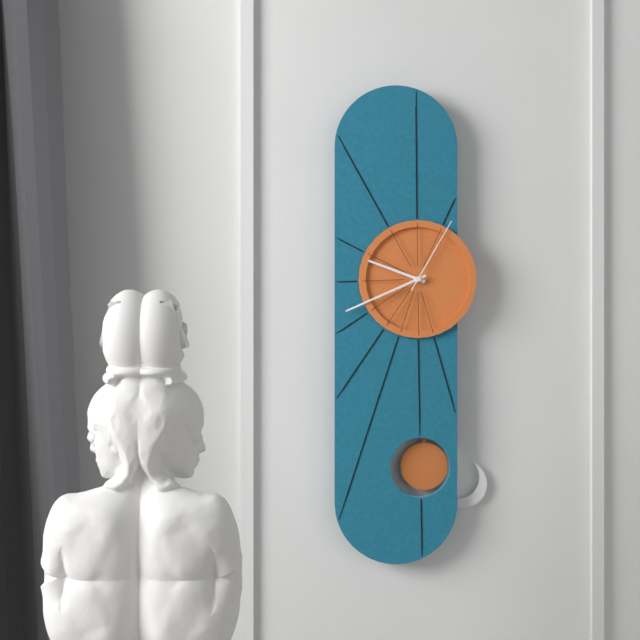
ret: 9:41:05
